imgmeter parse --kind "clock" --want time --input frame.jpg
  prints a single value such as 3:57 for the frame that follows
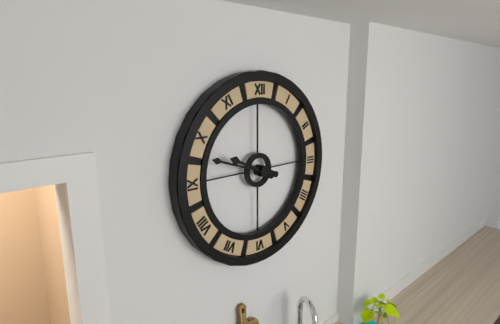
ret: 9:48
